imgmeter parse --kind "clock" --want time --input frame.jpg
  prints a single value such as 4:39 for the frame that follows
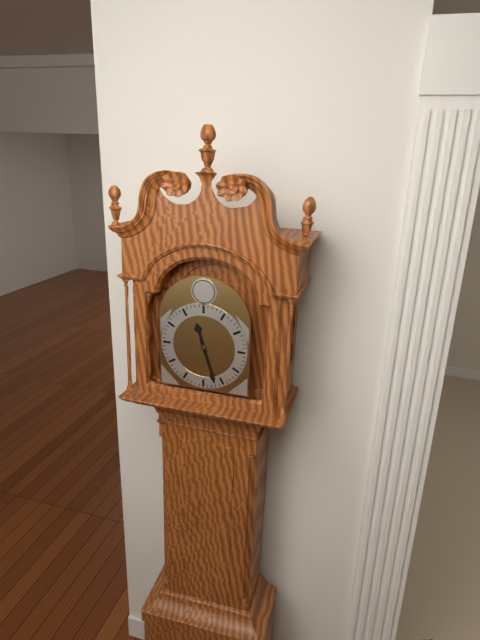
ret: 11:27
